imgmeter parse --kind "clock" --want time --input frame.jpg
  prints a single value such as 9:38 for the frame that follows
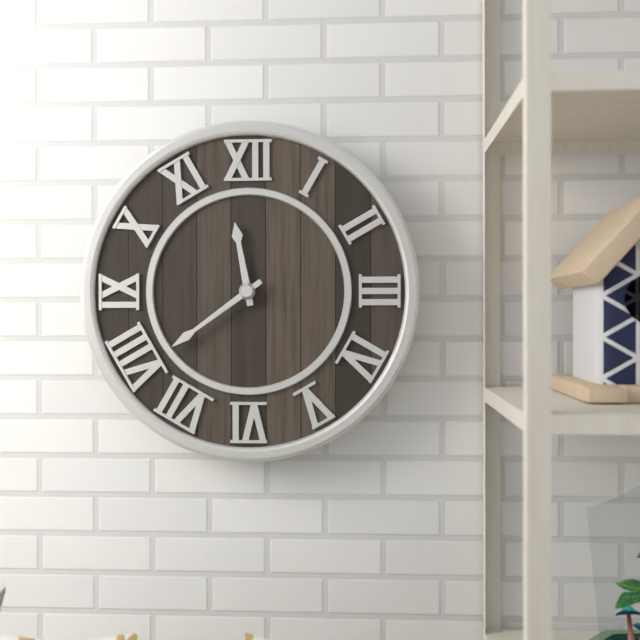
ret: 11:39
